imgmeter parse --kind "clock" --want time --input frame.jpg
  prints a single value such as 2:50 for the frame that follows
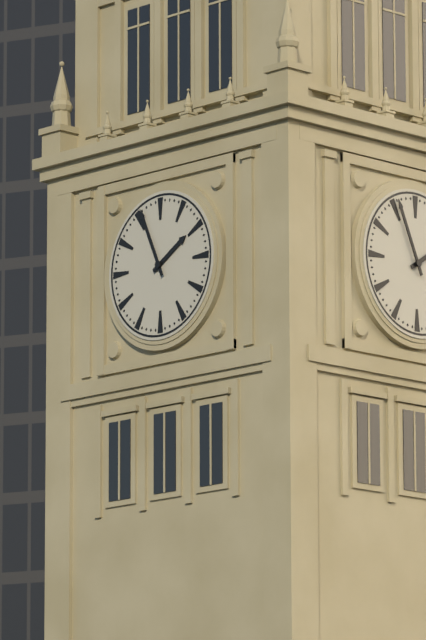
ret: 1:56
